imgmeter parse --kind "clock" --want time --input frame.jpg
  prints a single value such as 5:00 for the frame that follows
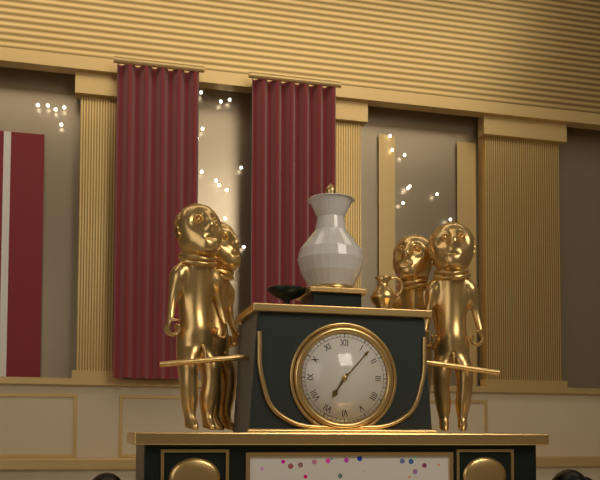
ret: 7:07
